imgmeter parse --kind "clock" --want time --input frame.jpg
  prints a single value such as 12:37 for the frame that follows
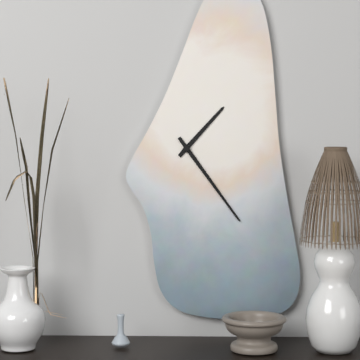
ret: 1:24
